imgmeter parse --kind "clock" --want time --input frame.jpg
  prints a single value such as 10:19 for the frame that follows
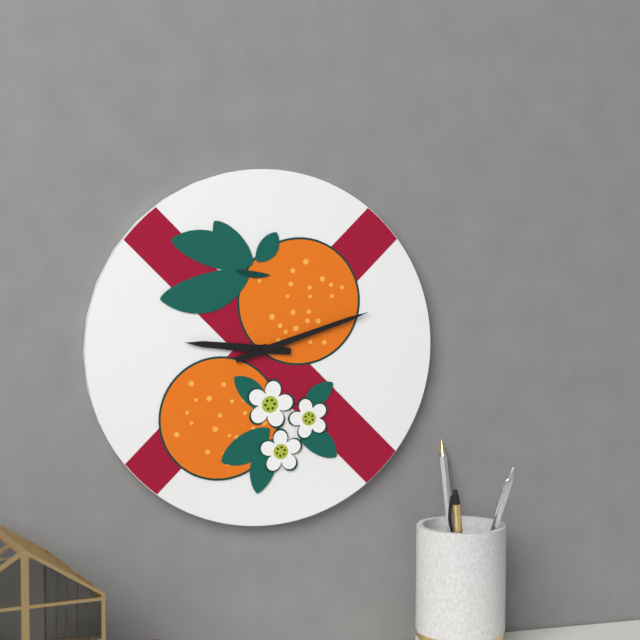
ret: 9:12
